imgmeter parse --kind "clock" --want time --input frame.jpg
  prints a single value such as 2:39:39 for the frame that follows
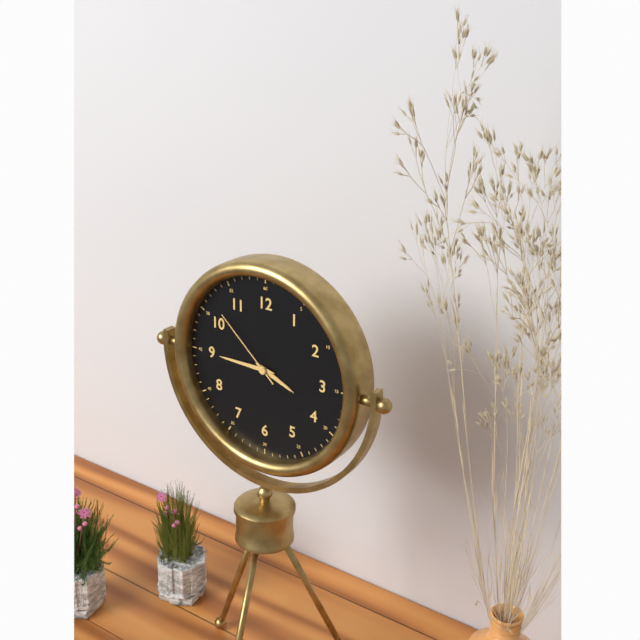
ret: 3:45:52
